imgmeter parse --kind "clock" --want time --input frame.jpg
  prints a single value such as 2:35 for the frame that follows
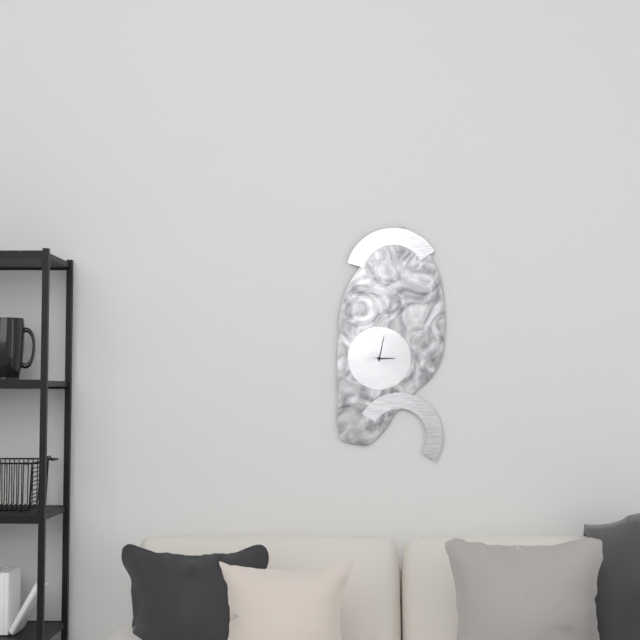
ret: 3:02
